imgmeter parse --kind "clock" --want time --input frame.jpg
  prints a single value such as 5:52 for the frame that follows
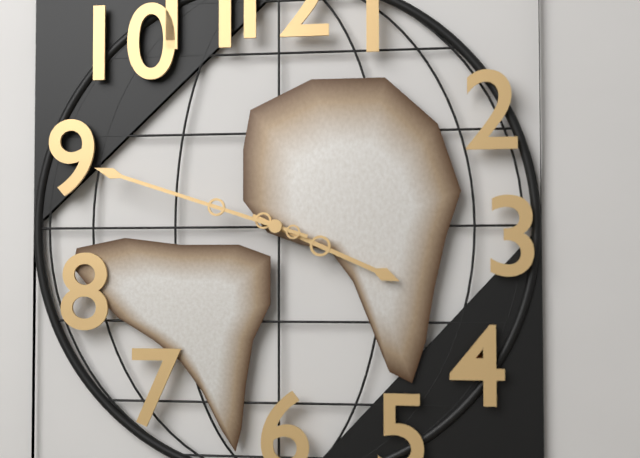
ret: 3:48
